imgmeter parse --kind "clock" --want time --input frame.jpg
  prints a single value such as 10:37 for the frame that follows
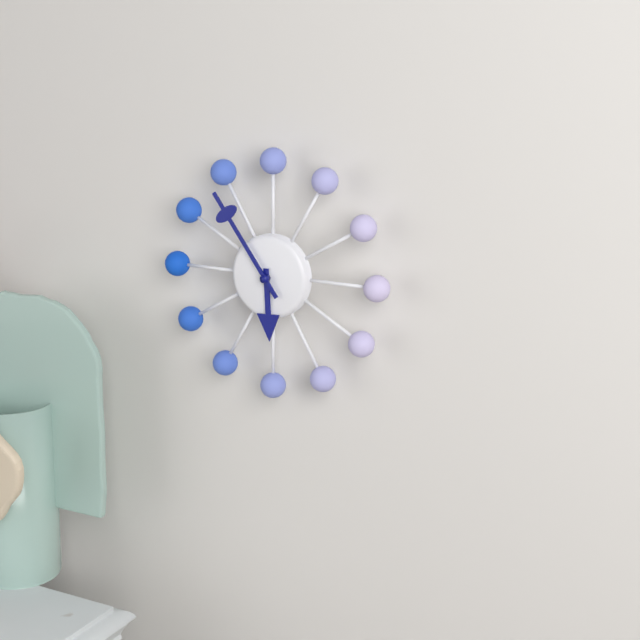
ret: 5:54
